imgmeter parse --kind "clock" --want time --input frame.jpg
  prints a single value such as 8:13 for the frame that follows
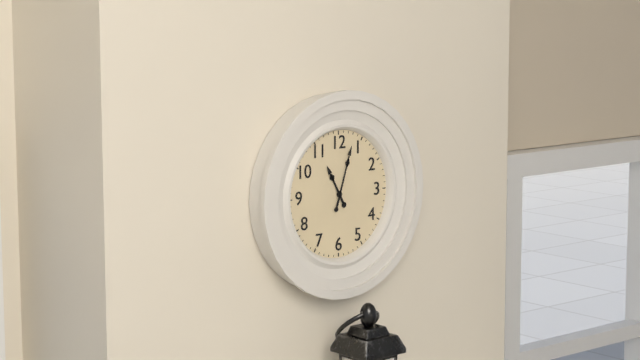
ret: 11:03
